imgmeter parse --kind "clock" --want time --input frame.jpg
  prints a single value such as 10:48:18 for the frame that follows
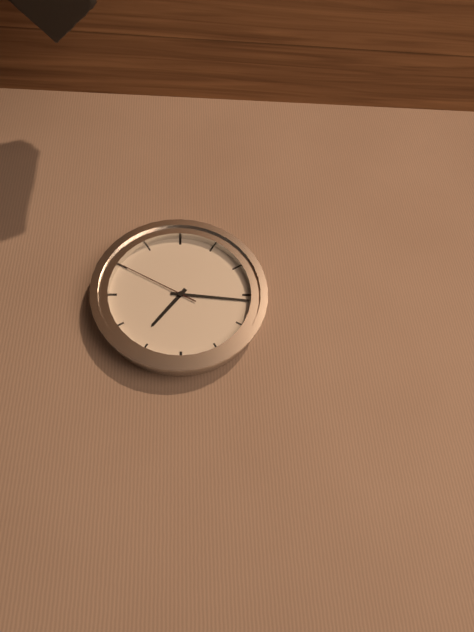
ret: 7:16:50
